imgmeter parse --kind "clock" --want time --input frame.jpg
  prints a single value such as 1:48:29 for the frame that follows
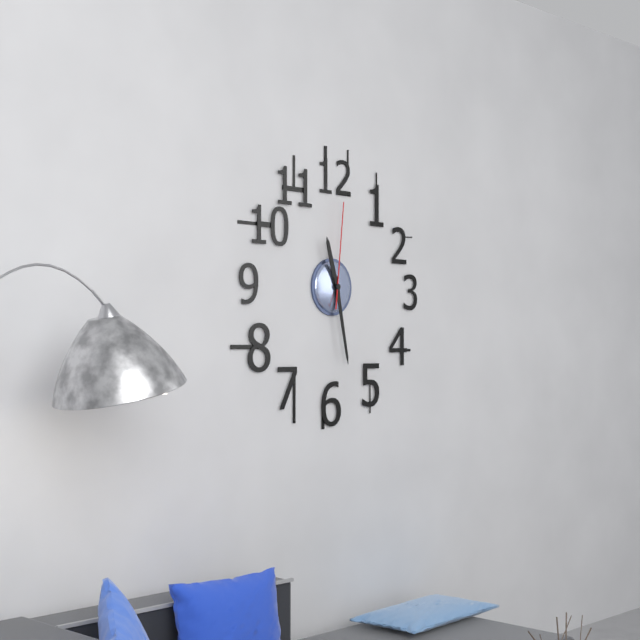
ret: 11:28:01
